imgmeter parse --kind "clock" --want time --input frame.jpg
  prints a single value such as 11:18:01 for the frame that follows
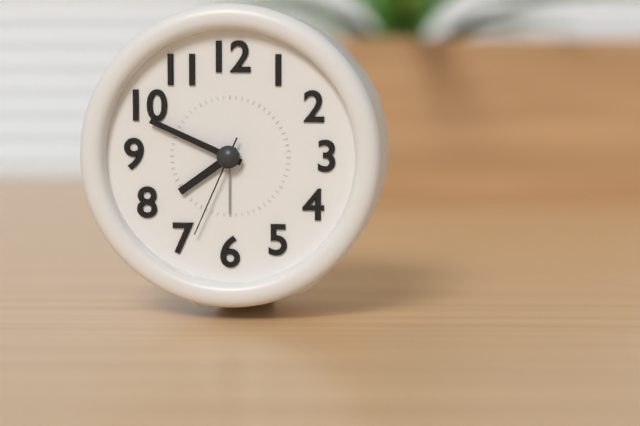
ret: 7:49:34
